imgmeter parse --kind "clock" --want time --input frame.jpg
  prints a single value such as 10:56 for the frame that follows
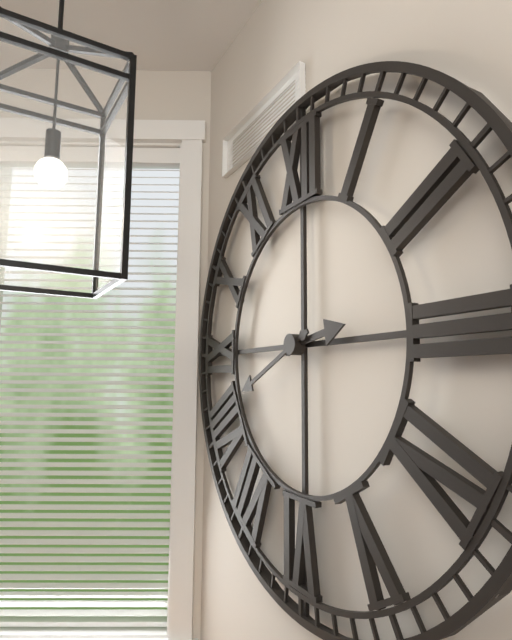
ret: 2:41
